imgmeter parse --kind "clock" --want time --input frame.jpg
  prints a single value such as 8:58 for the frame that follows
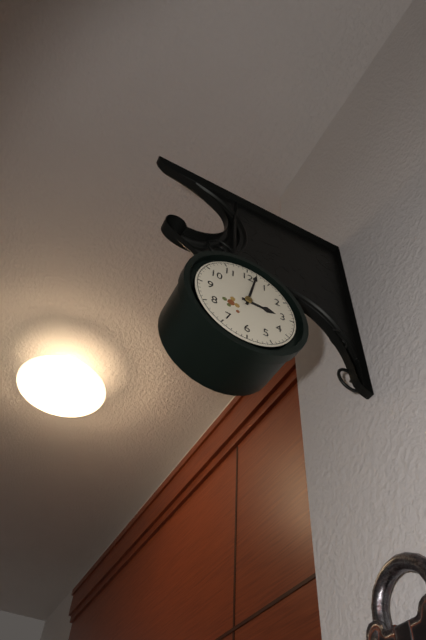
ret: 3:02
